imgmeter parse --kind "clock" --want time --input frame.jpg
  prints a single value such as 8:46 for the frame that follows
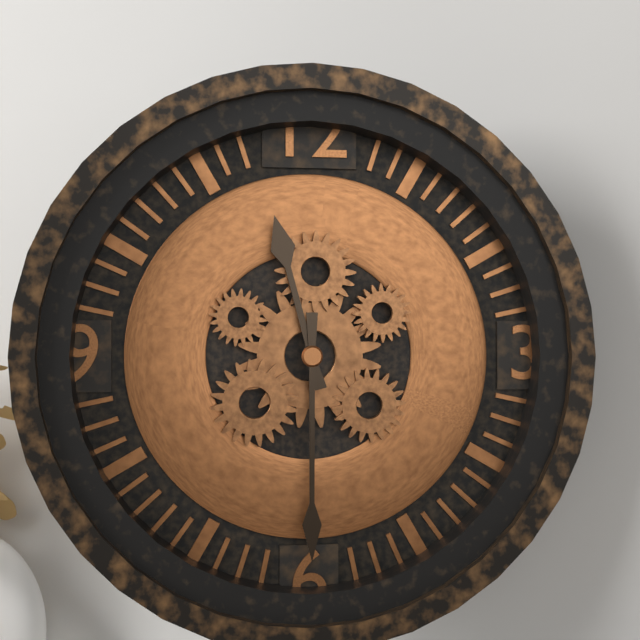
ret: 11:30
